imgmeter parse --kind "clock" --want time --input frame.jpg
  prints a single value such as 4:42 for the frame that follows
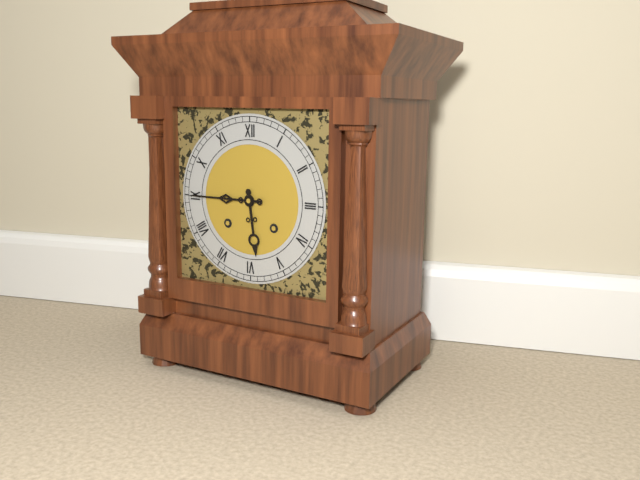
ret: 5:45
